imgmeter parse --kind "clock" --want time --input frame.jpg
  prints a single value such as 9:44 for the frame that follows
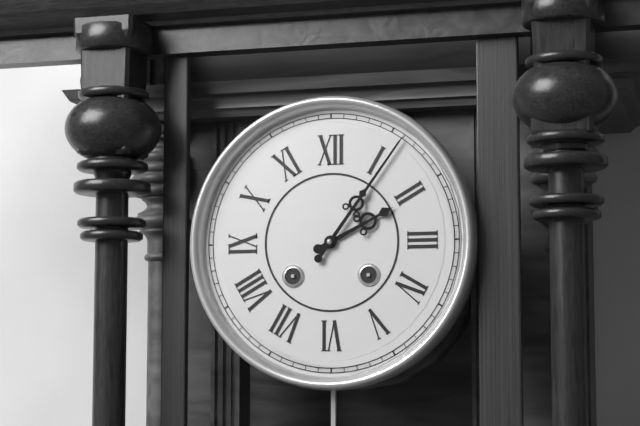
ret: 2:06
